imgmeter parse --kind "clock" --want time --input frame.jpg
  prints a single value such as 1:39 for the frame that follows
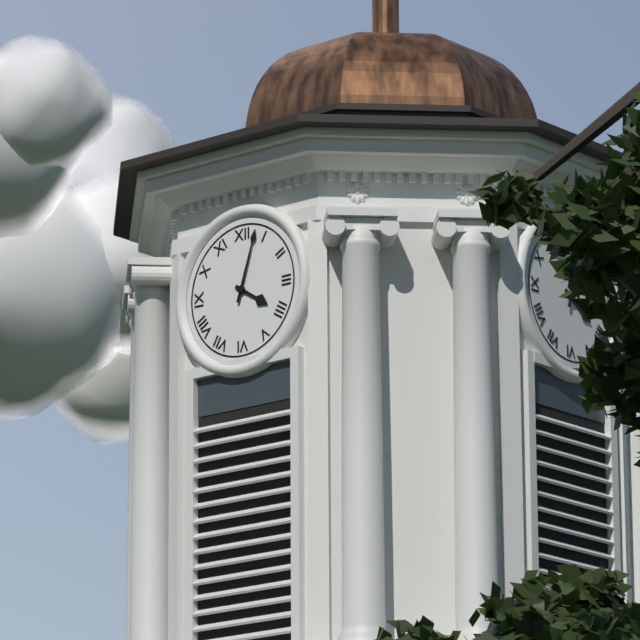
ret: 4:03
